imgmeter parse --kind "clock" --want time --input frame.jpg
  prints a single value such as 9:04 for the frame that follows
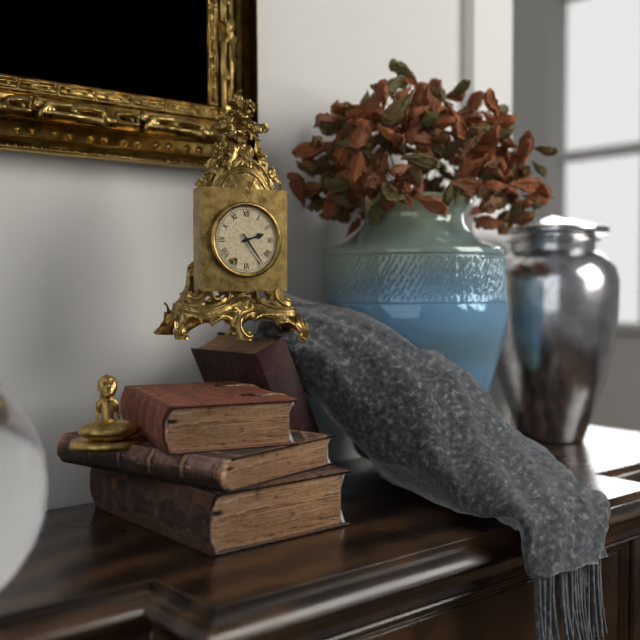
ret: 2:24
